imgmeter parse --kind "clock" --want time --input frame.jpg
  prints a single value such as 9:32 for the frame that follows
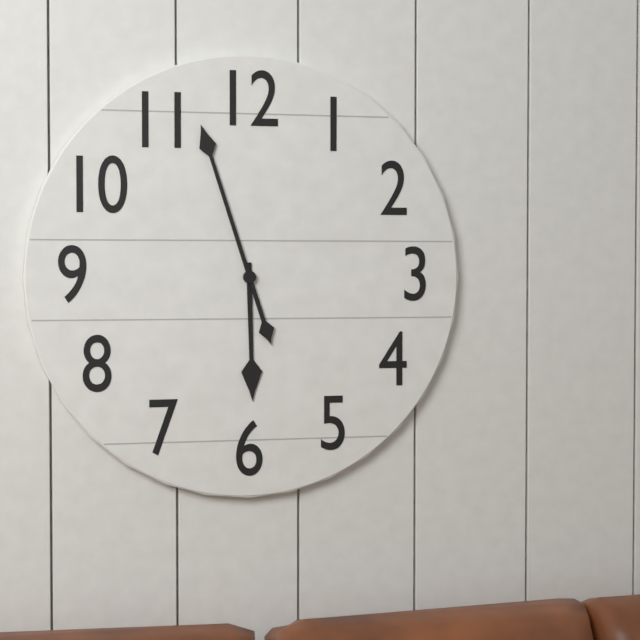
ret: 5:57
